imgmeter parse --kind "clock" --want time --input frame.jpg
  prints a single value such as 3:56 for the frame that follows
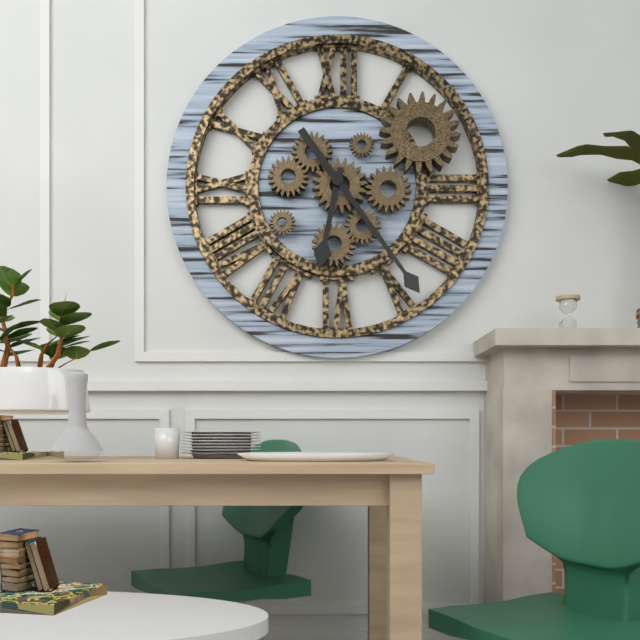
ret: 6:24
